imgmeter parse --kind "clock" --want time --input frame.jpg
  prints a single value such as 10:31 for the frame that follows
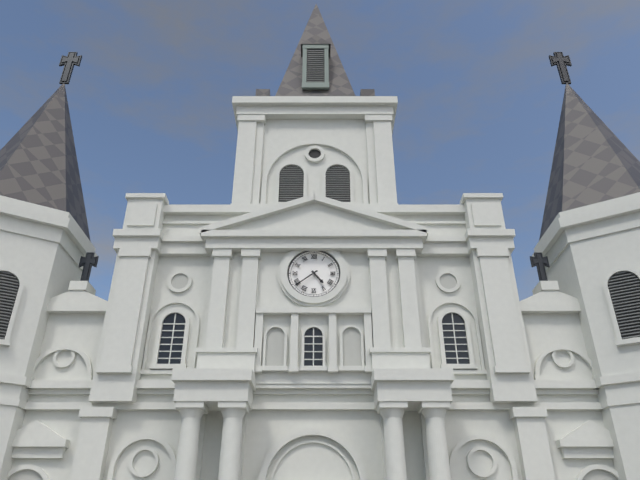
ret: 4:39
